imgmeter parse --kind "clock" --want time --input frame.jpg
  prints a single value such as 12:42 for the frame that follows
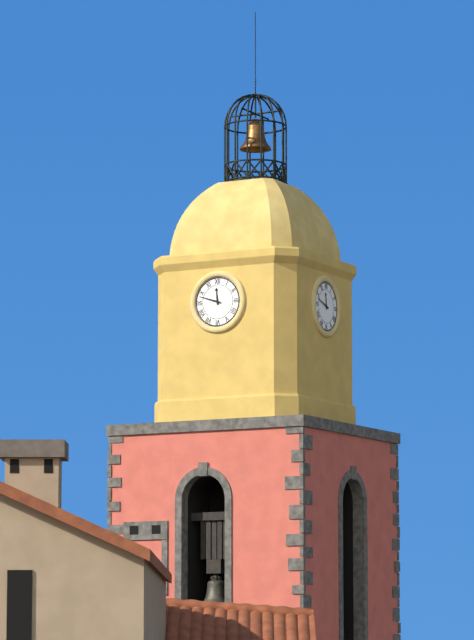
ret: 11:48
